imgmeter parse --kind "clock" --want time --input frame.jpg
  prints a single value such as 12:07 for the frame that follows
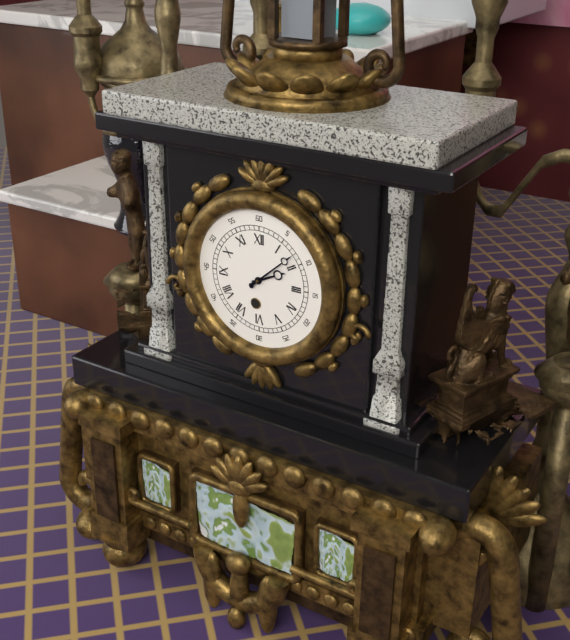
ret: 2:08
